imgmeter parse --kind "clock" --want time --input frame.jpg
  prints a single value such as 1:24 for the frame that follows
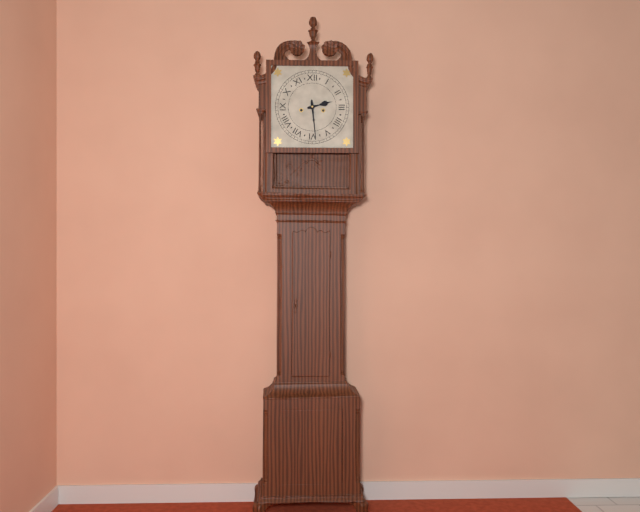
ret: 2:29
